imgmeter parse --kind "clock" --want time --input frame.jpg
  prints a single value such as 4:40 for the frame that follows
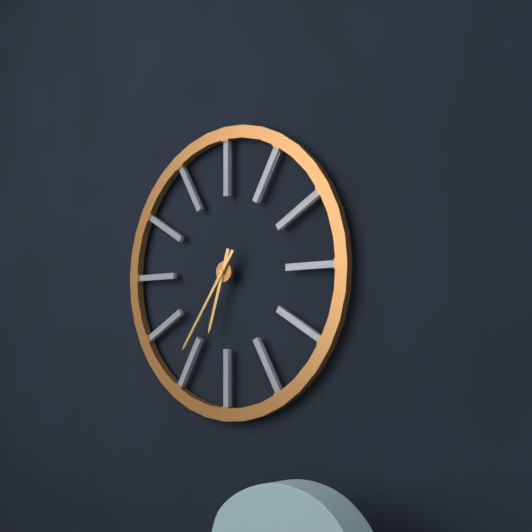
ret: 6:36
